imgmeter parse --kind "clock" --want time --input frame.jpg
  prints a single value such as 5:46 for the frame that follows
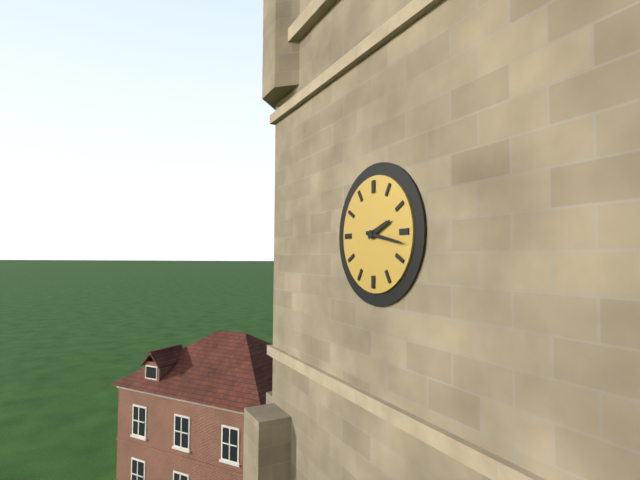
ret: 2:17
